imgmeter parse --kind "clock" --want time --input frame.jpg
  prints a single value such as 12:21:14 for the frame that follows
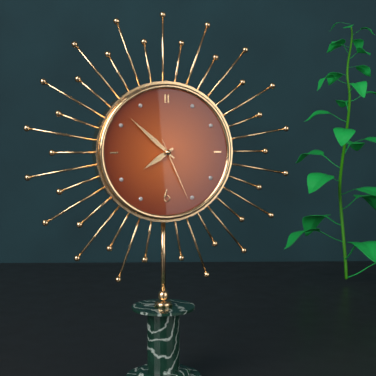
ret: 7:52:26
